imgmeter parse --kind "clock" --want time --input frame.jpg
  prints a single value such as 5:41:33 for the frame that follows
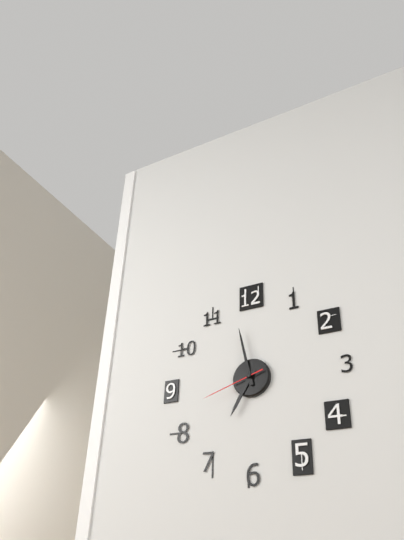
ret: 6:58:42
